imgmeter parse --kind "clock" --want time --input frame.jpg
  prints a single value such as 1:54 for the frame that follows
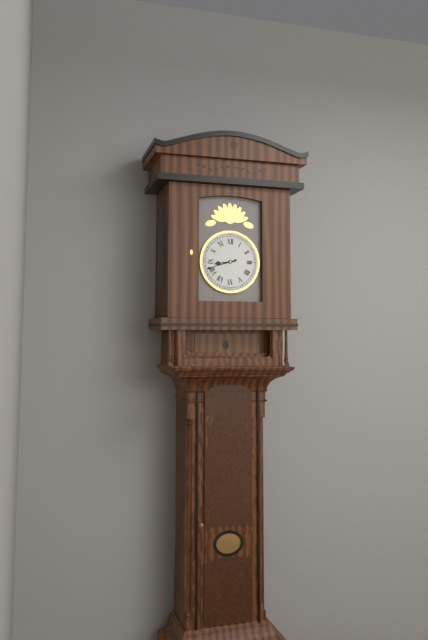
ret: 8:42
